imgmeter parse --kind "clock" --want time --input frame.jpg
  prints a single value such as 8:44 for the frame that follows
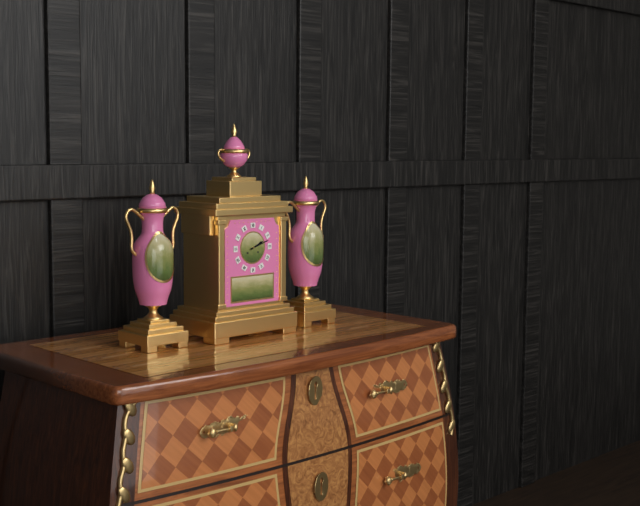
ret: 2:12
